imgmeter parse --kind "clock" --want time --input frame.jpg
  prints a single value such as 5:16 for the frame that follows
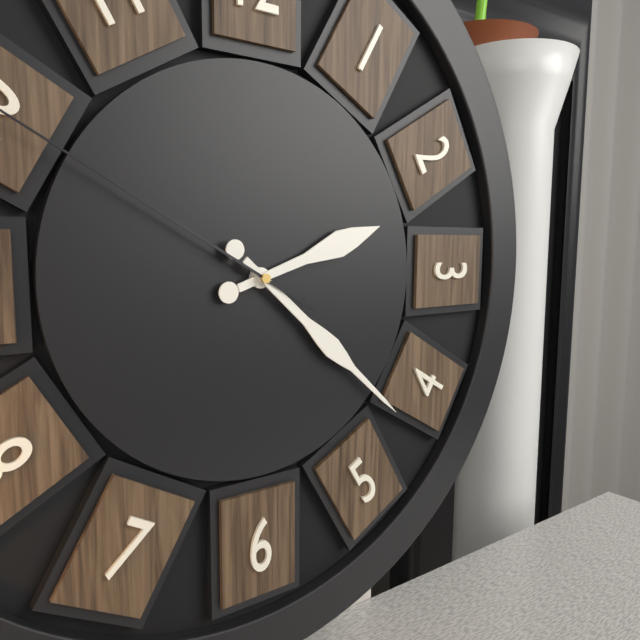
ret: 2:22
